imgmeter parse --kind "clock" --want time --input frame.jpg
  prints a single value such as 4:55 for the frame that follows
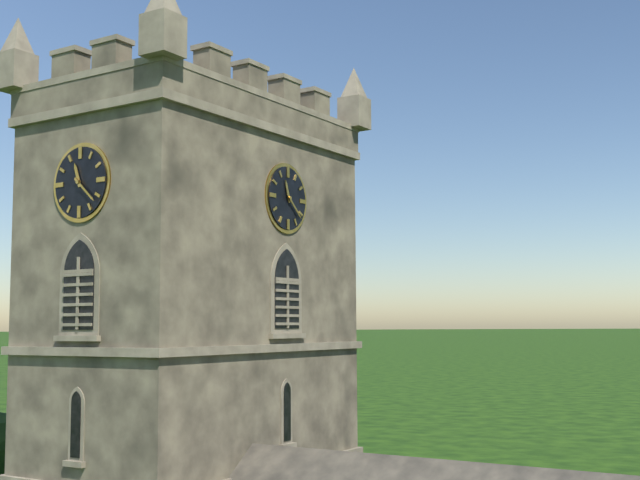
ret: 11:22
